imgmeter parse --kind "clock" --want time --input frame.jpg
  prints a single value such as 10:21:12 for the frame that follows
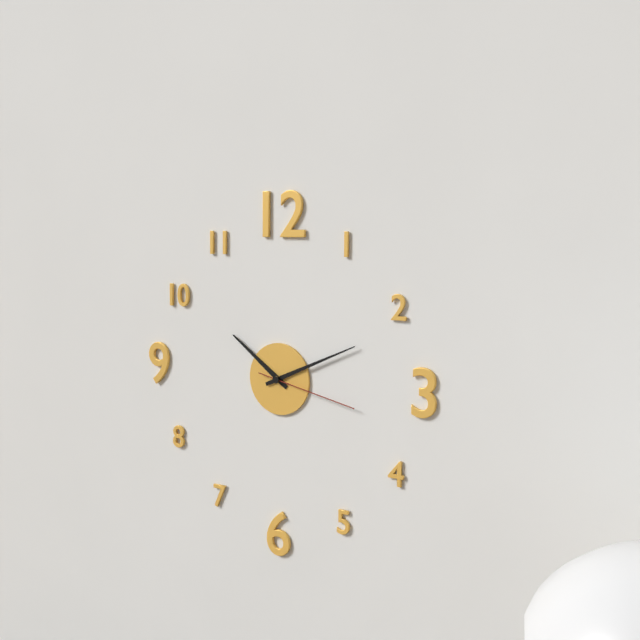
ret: 10:11:17
